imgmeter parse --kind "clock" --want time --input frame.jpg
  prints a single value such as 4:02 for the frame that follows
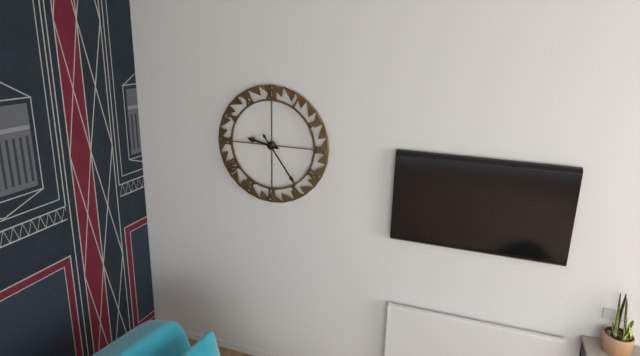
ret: 9:24
